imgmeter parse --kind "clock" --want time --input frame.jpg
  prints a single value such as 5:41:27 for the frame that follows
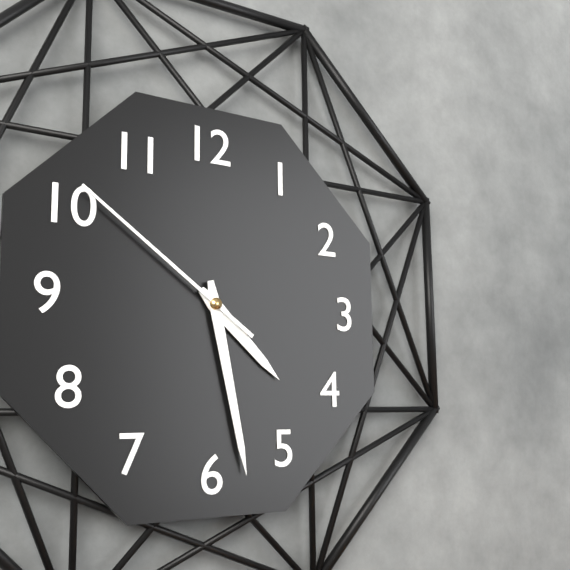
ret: 4:28:51
